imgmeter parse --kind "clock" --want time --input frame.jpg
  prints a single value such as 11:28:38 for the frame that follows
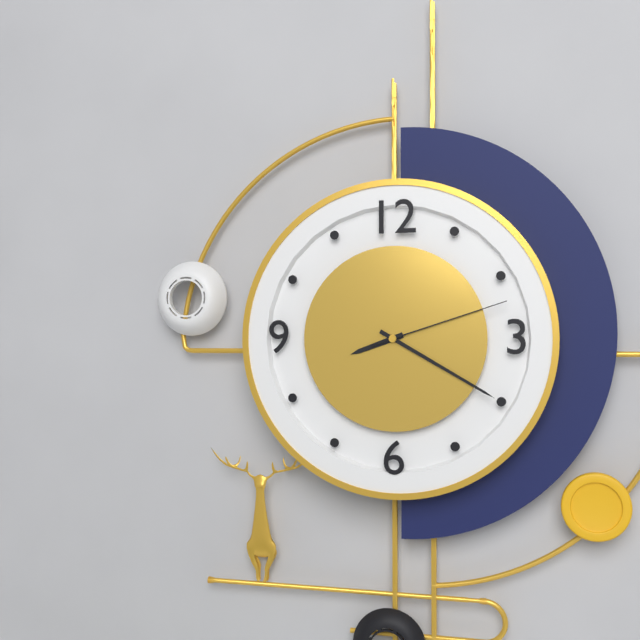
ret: 8:20:12
